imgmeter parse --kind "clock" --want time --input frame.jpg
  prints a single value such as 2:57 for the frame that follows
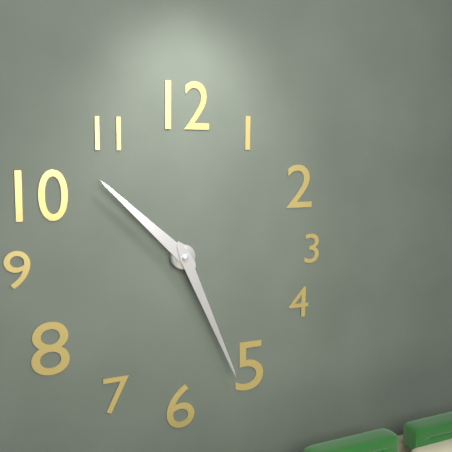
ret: 10:26
